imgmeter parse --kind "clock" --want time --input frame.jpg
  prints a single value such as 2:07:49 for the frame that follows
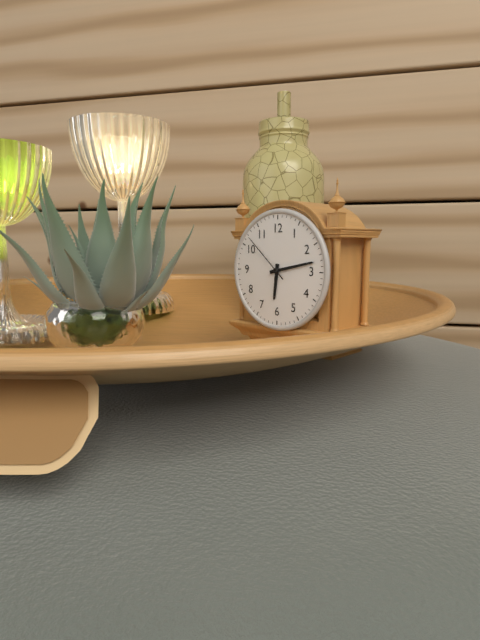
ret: 6:13:52
